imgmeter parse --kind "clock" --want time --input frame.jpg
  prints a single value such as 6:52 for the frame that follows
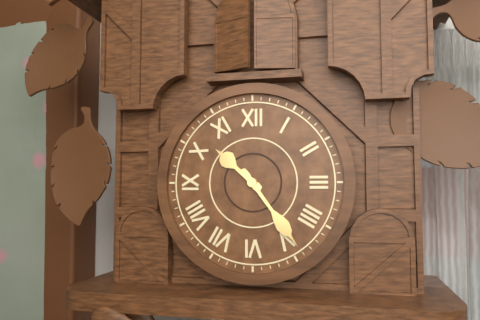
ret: 10:24
